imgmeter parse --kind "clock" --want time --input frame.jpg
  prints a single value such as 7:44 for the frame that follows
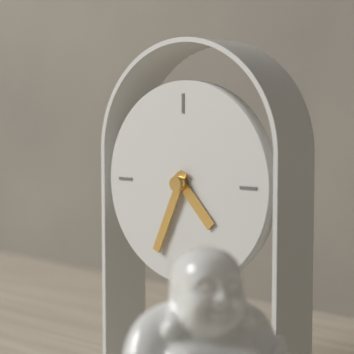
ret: 4:34
